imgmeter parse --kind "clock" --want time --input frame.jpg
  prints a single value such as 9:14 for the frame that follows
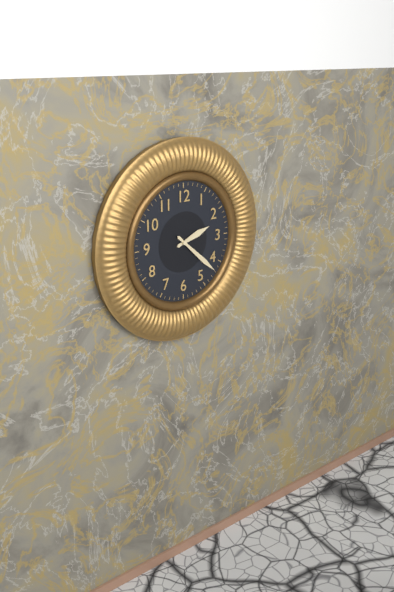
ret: 2:22
